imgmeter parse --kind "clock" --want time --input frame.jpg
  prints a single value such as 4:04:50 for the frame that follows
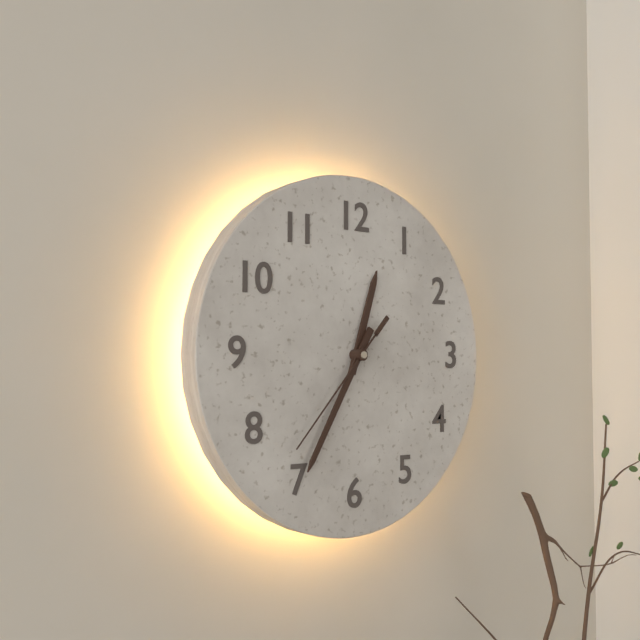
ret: 12:35:37
